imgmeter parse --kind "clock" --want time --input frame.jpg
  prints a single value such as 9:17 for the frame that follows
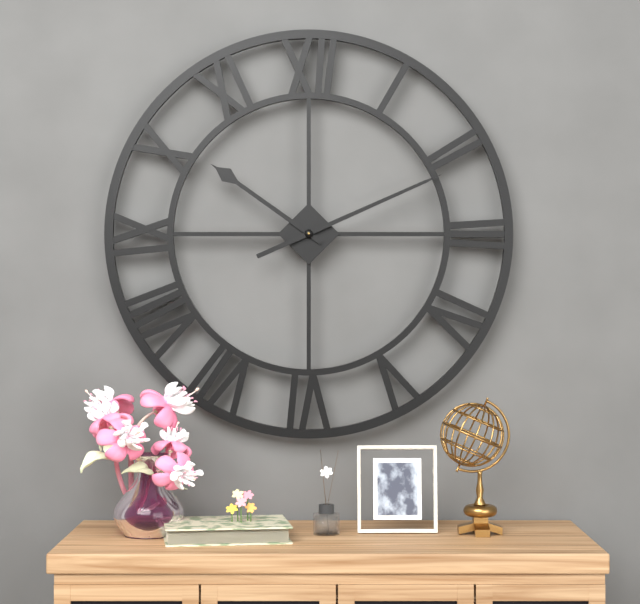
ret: 10:11
